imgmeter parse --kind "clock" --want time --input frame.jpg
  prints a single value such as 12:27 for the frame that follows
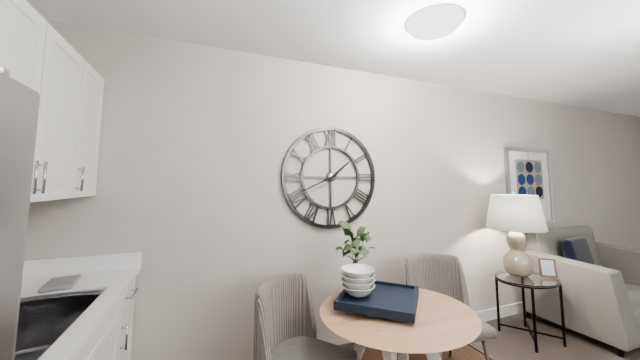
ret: 1:41
